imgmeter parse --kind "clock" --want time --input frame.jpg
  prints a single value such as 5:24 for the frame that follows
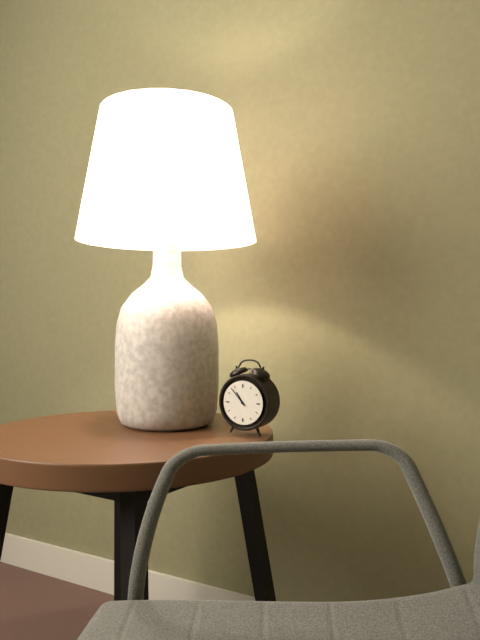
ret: 10:53
